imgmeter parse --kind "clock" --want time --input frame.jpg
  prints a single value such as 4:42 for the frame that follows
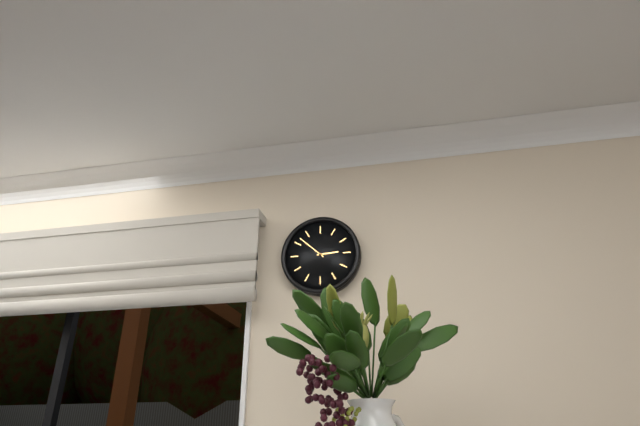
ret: 2:52
